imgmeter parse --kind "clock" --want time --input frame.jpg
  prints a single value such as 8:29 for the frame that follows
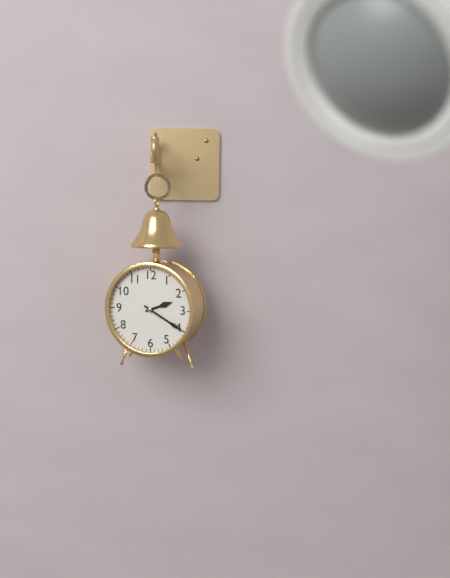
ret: 2:20
